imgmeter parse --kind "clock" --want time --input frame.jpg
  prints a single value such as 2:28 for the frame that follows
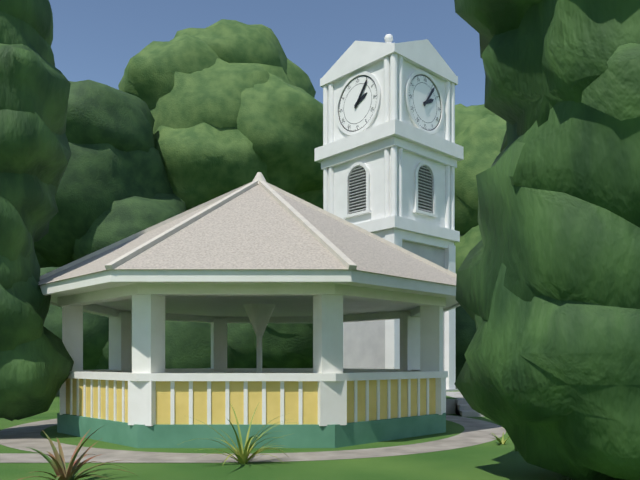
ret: 2:06
